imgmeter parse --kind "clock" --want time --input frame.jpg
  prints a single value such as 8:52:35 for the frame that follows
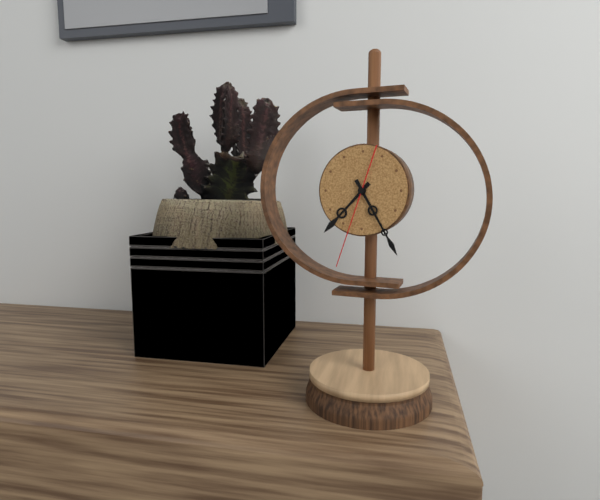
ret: 7:25:33
